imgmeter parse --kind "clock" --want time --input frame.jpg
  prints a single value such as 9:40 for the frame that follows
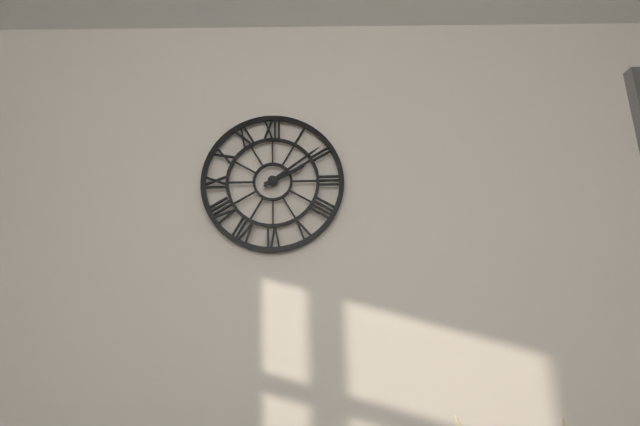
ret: 2:09
